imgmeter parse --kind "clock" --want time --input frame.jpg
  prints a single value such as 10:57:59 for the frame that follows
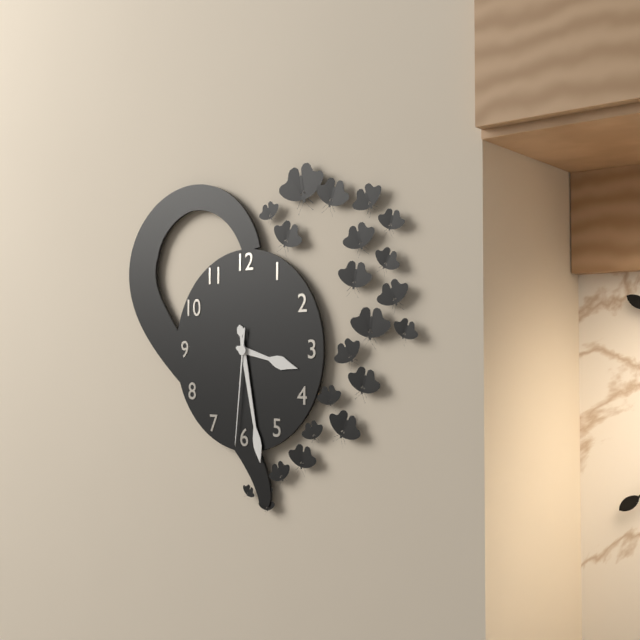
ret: 3:28:31
